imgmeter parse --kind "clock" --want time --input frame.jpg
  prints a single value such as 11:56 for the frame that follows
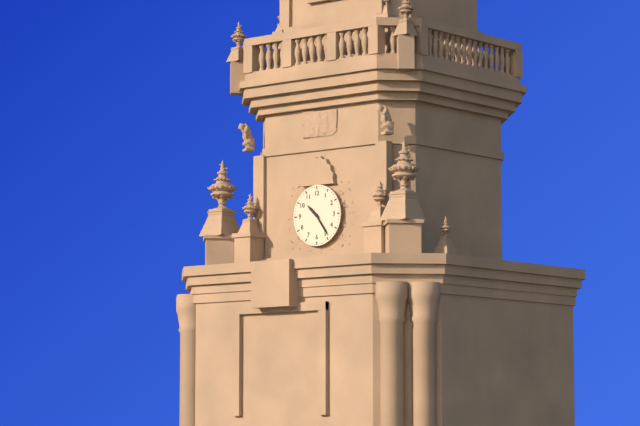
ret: 10:24
